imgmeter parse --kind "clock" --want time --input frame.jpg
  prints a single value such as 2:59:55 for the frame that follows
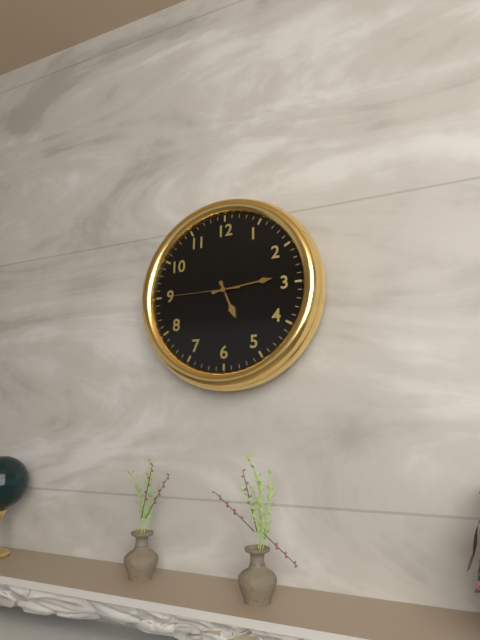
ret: 5:14:45
